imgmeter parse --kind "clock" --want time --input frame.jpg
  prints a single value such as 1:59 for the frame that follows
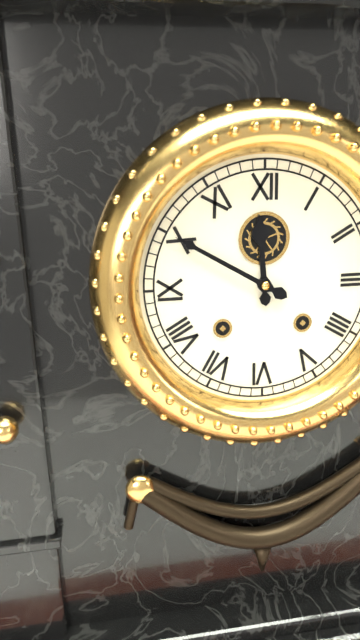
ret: 11:50
